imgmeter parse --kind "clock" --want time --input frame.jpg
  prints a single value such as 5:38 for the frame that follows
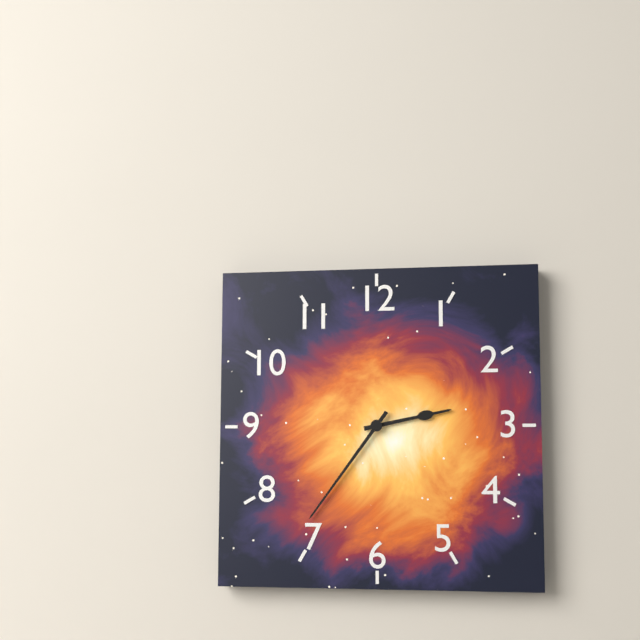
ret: 2:36
